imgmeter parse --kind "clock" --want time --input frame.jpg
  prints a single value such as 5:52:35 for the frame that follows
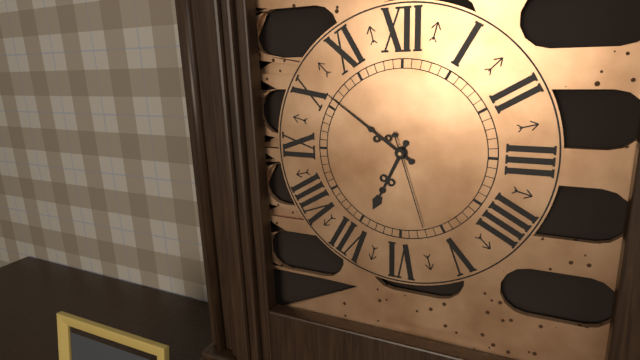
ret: 6:51:27
